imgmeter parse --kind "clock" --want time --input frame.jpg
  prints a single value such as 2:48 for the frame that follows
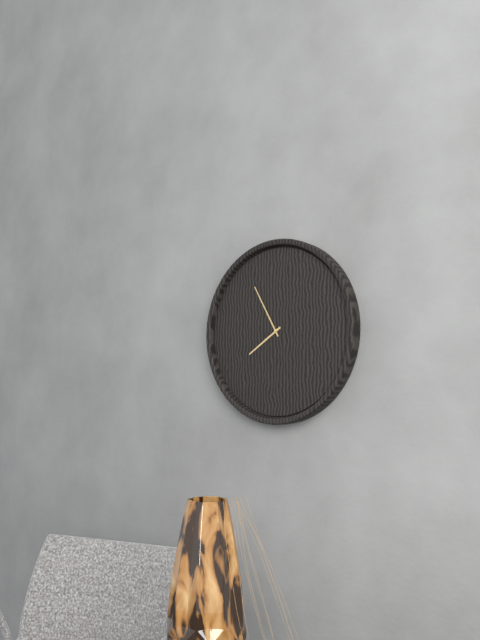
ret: 7:55
